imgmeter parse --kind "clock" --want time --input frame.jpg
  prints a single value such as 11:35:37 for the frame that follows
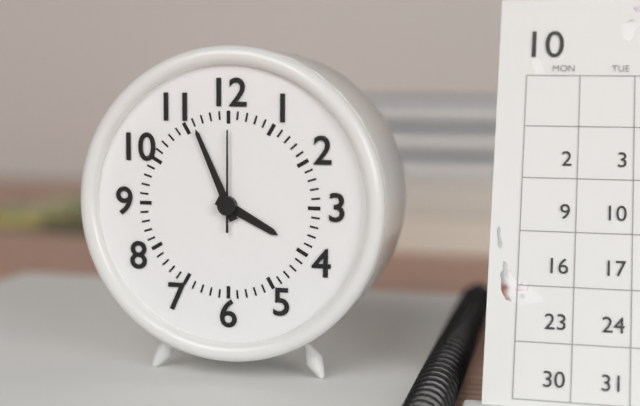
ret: 3:56:00
